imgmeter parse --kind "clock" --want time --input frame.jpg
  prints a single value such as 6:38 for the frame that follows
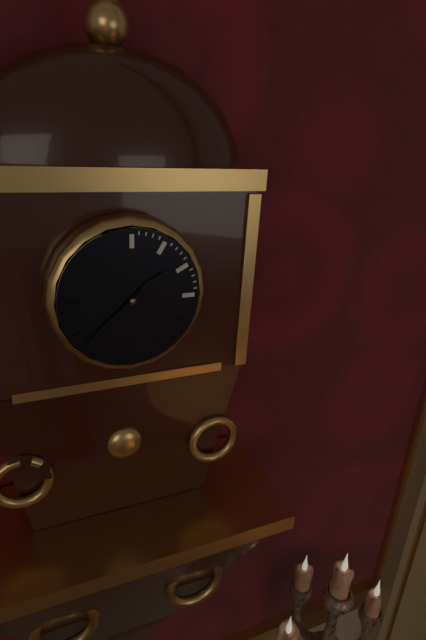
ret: 1:38
